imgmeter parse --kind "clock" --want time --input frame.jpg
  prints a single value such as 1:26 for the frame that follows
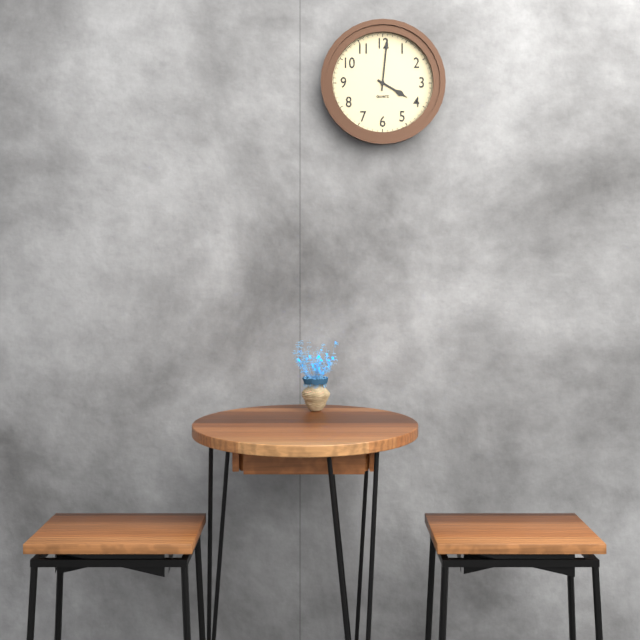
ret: 4:01
